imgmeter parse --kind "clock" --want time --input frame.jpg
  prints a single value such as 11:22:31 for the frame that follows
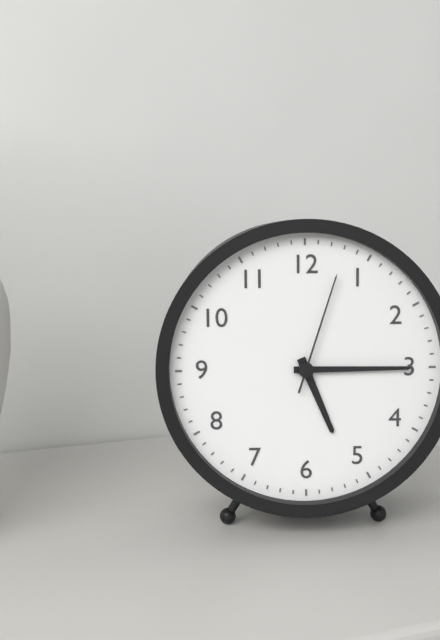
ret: 5:15:03
